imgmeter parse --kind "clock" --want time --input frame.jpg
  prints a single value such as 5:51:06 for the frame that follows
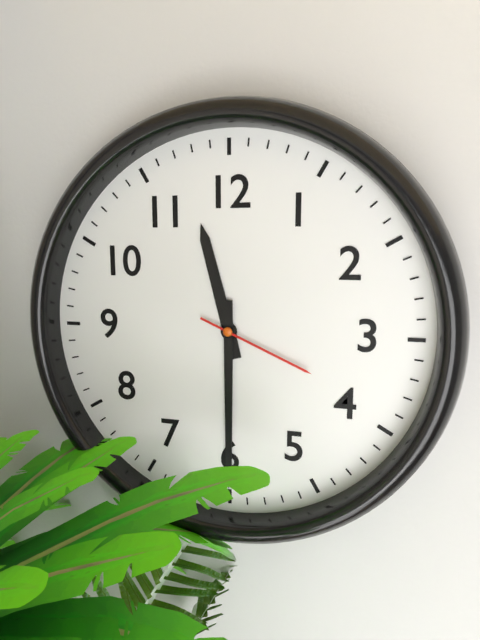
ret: 11:30:19
